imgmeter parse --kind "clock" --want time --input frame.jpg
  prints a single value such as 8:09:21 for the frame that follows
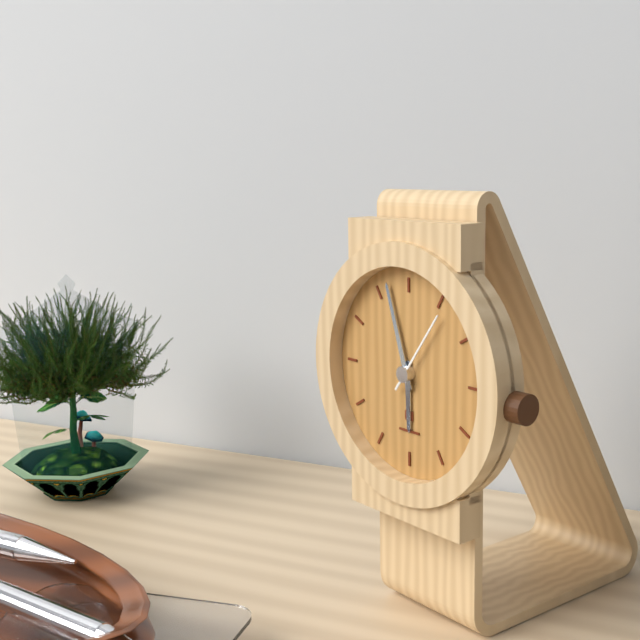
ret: 5:57:06
